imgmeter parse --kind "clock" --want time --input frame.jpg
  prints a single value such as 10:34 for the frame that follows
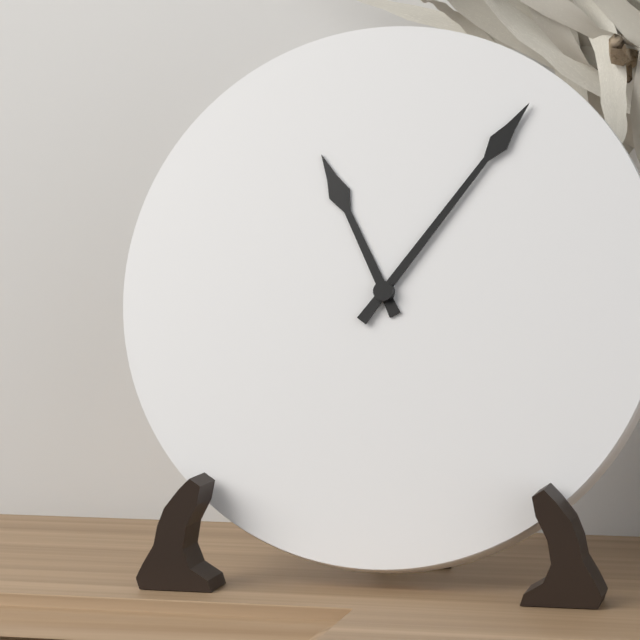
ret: 11:06
